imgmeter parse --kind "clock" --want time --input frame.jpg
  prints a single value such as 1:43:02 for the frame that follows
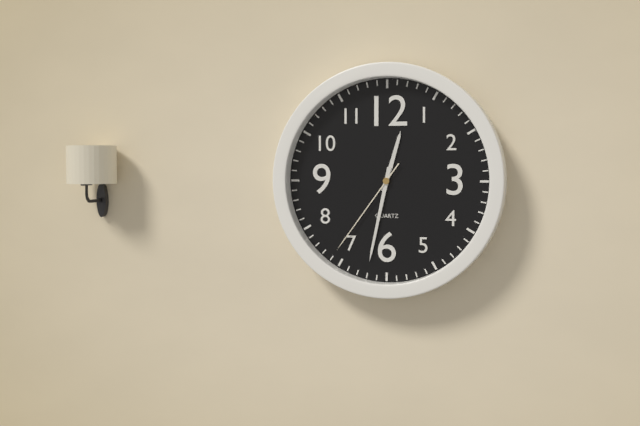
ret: 12:32:36
